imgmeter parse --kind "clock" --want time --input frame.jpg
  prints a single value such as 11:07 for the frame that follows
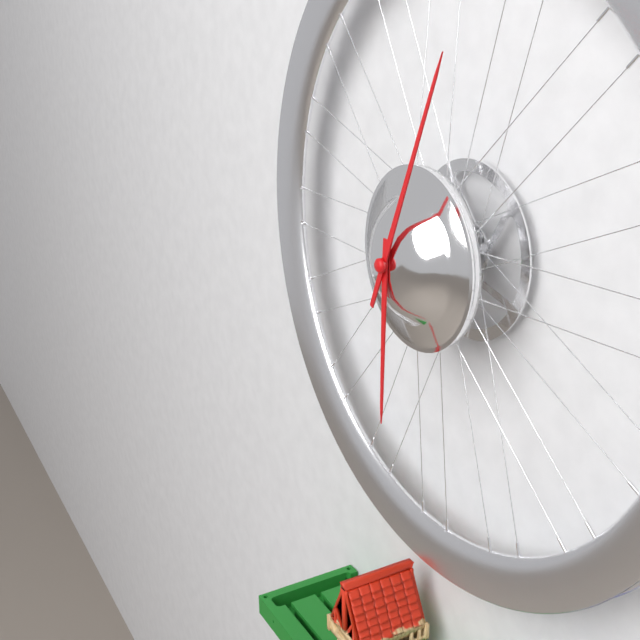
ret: 6:04
